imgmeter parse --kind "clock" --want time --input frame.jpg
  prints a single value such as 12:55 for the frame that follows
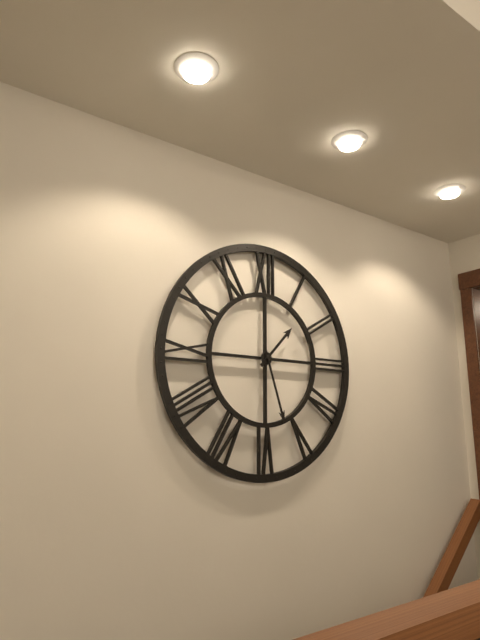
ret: 1:27
